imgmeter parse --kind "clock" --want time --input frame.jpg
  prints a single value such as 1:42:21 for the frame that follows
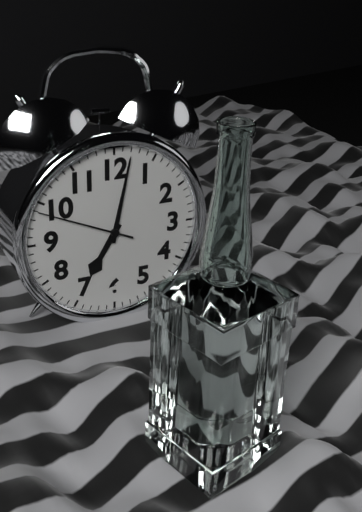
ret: 7:02:49
